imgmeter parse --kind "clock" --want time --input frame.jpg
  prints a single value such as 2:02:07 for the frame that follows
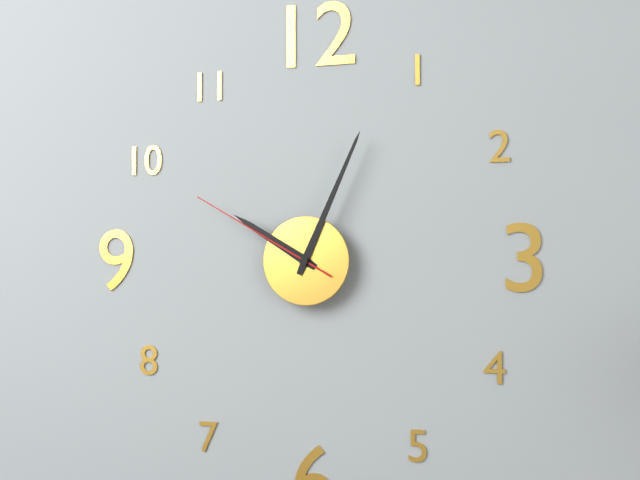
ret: 10:04:50
